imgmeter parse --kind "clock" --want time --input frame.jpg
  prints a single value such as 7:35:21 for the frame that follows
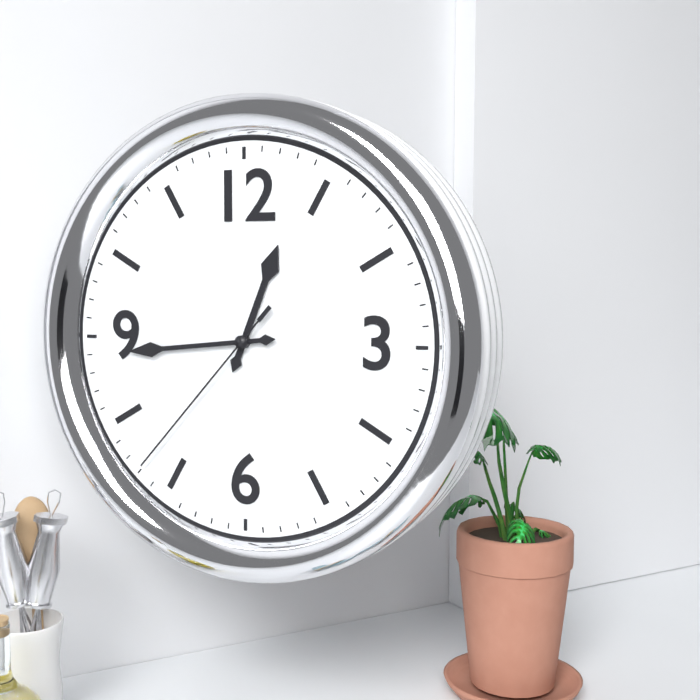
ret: 12:44:37
